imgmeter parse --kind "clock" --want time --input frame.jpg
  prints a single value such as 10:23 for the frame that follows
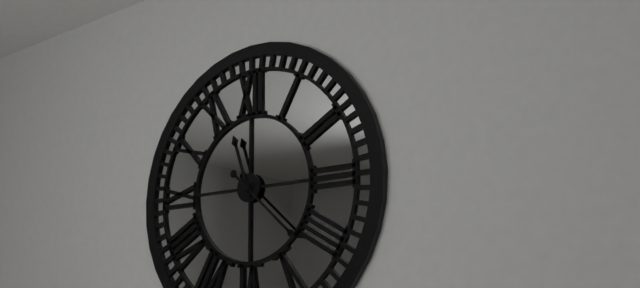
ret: 11:22
